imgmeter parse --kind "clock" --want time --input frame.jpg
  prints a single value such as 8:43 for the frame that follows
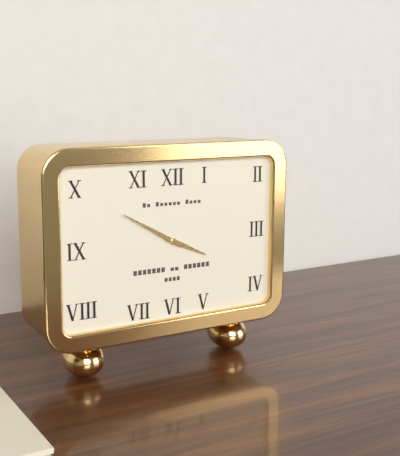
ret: 3:50
